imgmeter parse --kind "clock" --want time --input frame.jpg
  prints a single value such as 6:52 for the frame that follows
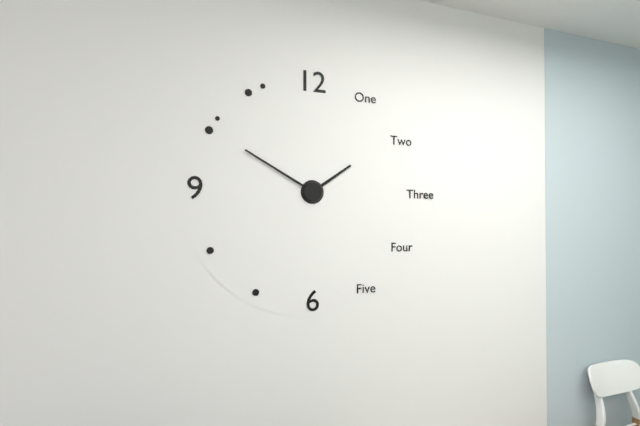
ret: 1:50
